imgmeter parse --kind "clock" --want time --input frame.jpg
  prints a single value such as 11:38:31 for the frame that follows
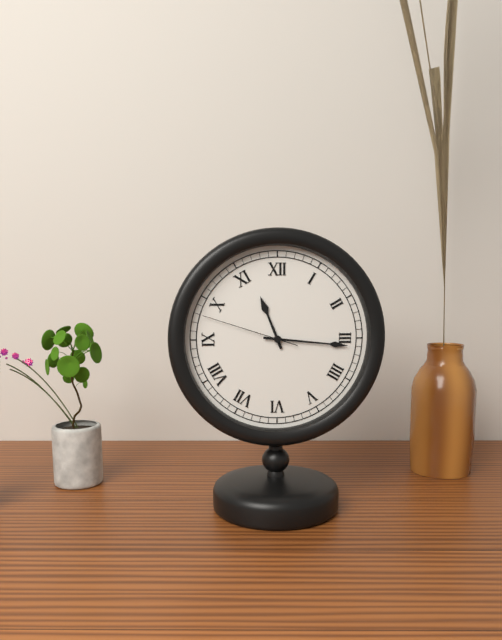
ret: 11:16:48
